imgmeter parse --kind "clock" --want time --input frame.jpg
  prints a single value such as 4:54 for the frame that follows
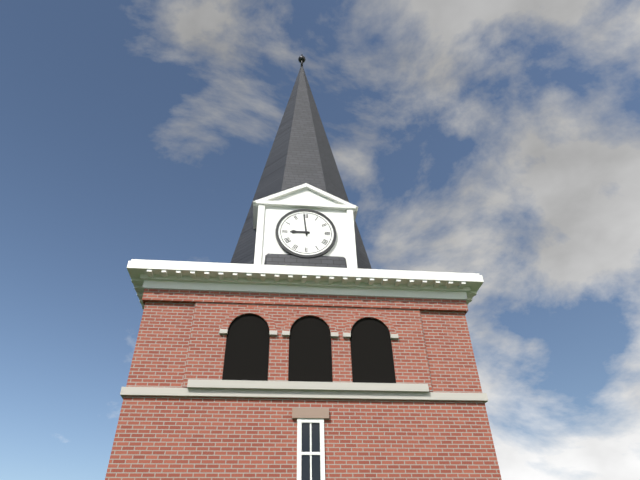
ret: 8:59
